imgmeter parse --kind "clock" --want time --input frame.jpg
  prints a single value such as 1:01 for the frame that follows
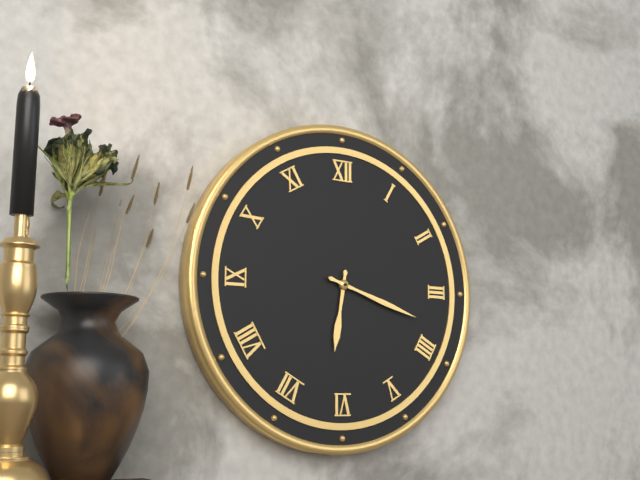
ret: 6:18
